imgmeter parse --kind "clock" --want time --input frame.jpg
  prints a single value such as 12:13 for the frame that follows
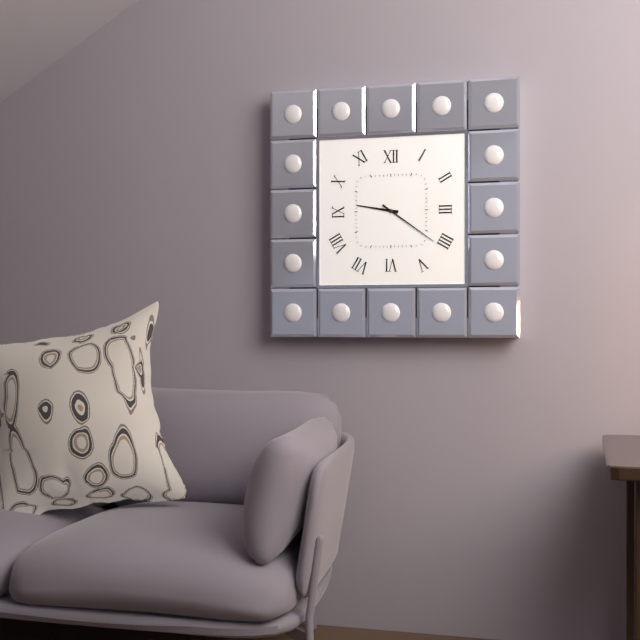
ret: 9:21
